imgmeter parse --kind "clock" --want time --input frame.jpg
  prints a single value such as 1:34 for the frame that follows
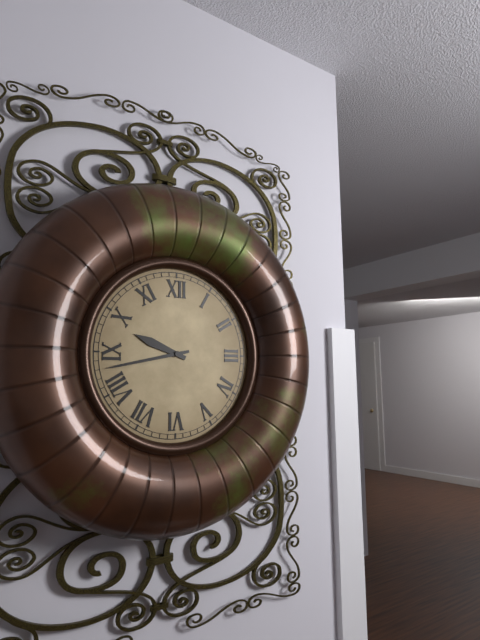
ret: 9:43
